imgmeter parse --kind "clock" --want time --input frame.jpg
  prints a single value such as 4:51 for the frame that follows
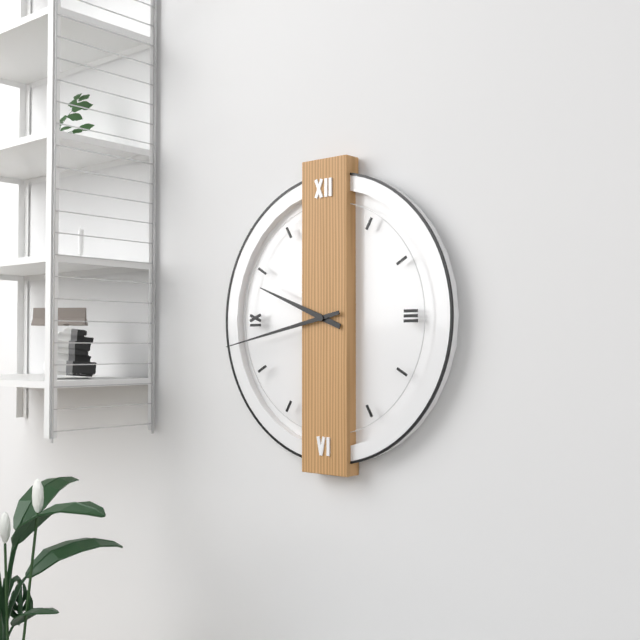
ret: 9:43
